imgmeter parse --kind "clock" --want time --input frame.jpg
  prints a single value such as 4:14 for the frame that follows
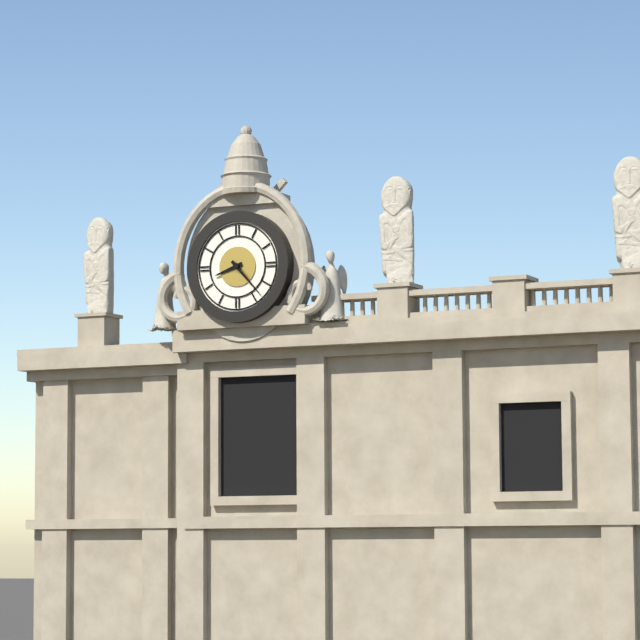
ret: 8:23
